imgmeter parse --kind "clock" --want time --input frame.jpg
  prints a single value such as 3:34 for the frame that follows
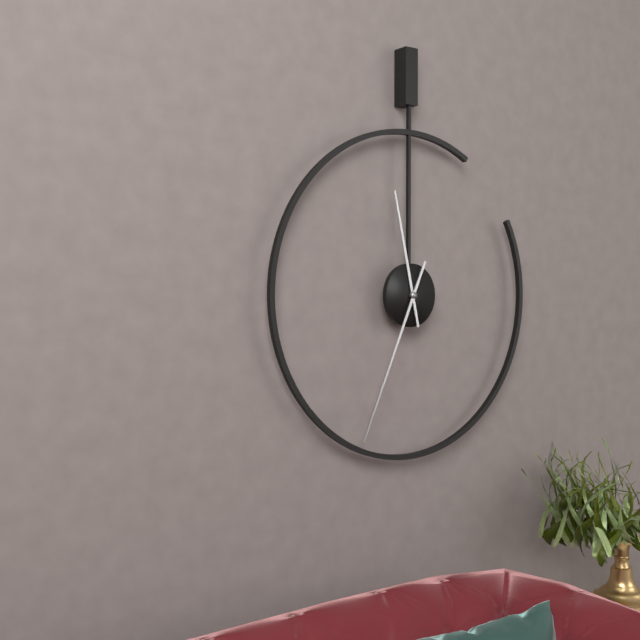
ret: 11:34
